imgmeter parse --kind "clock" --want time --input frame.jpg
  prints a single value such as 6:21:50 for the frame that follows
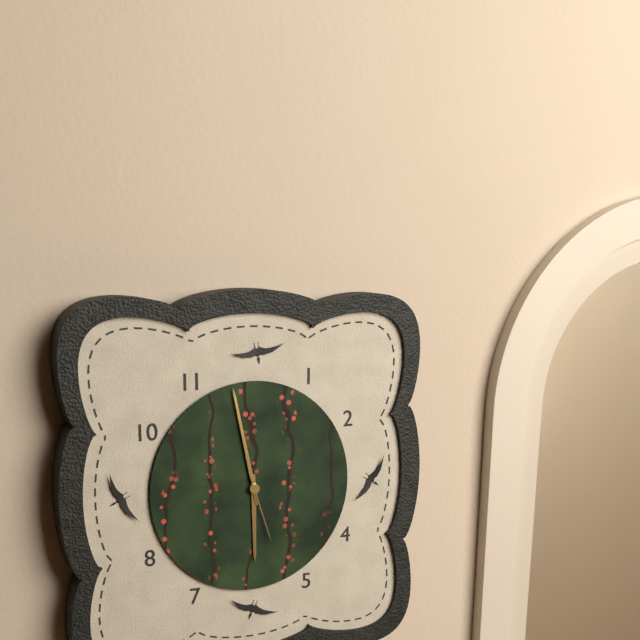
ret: 5:58:27
